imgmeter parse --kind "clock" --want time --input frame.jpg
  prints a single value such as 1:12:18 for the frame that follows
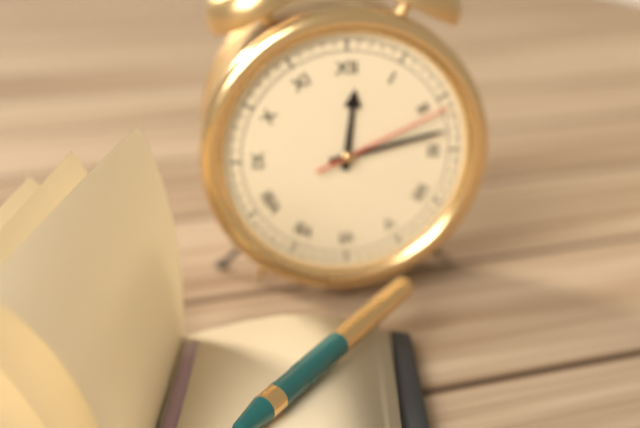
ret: 12:13:11
